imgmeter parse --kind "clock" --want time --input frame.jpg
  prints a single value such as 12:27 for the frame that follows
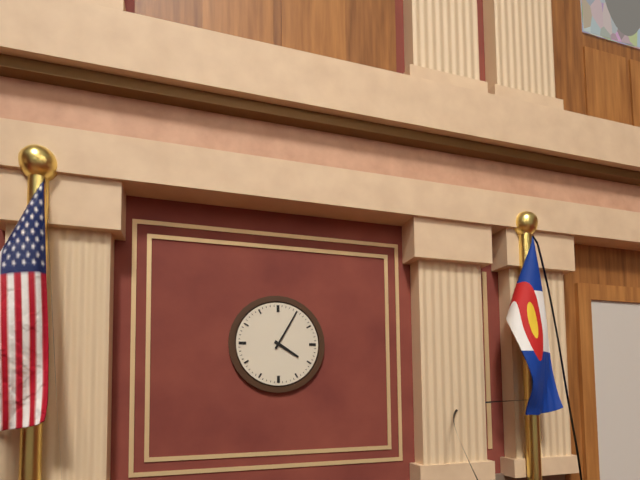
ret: 4:05
